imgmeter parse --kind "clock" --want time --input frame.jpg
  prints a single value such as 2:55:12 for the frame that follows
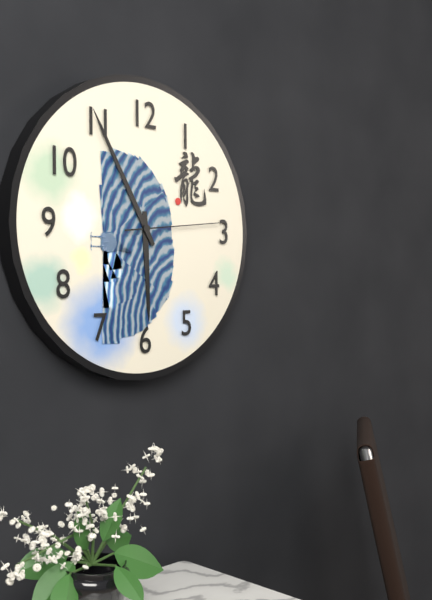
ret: 5:55:14
